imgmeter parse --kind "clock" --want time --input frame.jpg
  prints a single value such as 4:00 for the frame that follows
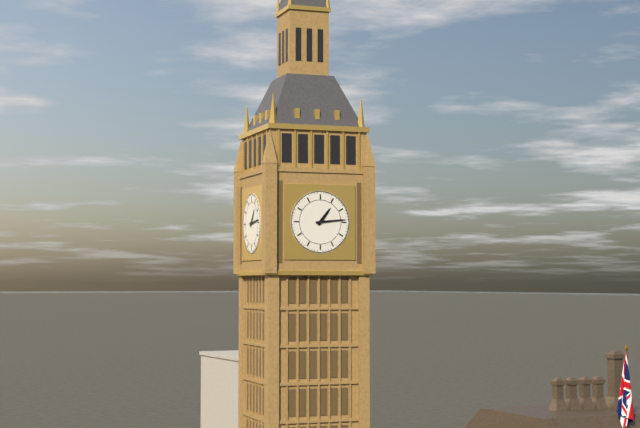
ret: 1:14
